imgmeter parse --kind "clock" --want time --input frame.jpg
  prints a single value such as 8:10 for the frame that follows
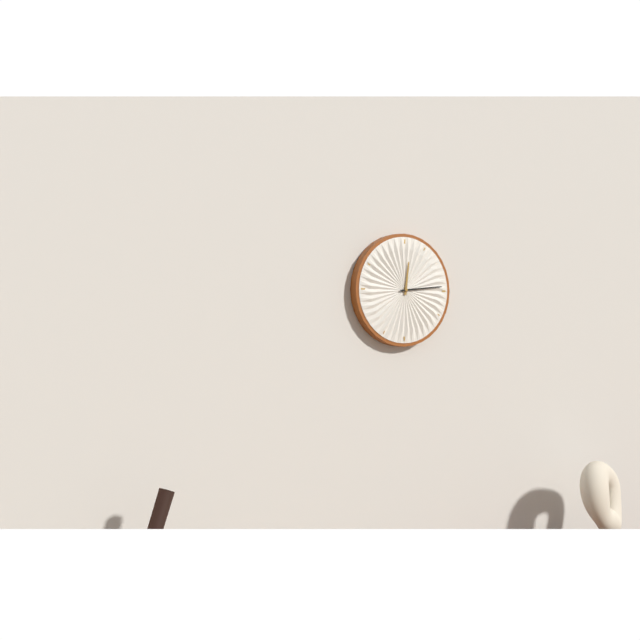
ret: 12:14
